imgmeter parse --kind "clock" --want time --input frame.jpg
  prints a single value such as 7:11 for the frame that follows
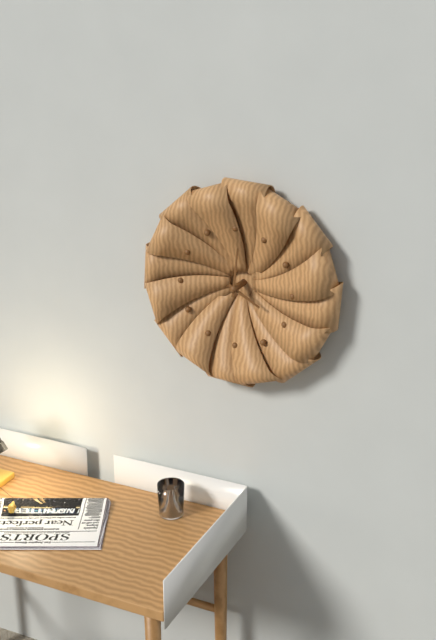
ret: 4:01
